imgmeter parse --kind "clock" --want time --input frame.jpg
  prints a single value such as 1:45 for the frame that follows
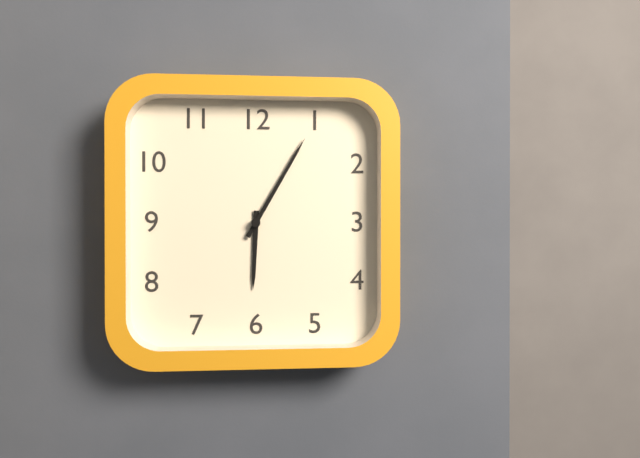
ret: 6:05
